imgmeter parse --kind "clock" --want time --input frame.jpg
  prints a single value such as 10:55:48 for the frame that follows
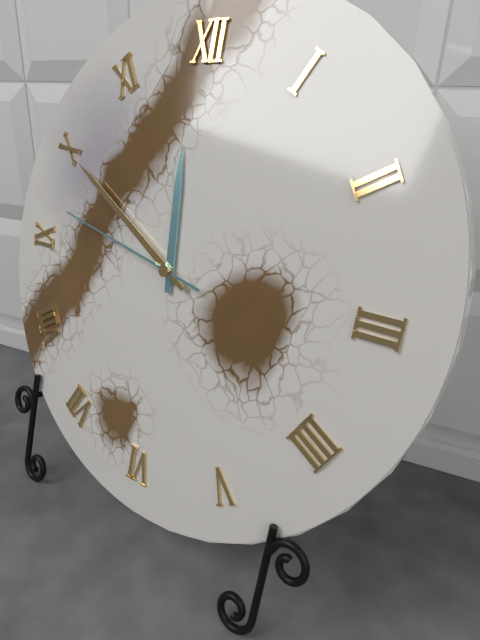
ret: 11:50:47
